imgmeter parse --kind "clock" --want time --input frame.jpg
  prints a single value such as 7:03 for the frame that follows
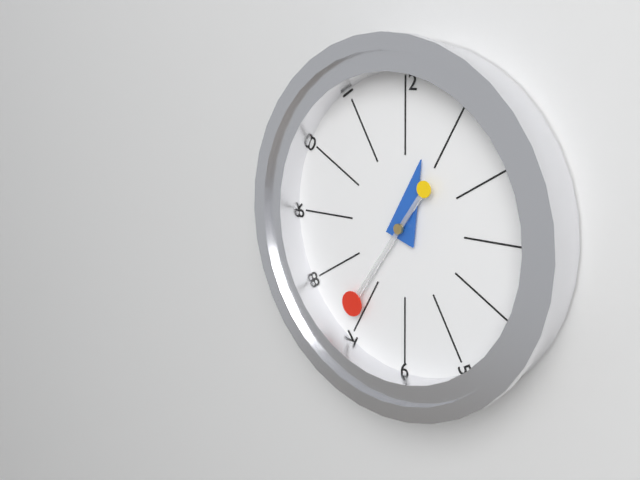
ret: 12:36
